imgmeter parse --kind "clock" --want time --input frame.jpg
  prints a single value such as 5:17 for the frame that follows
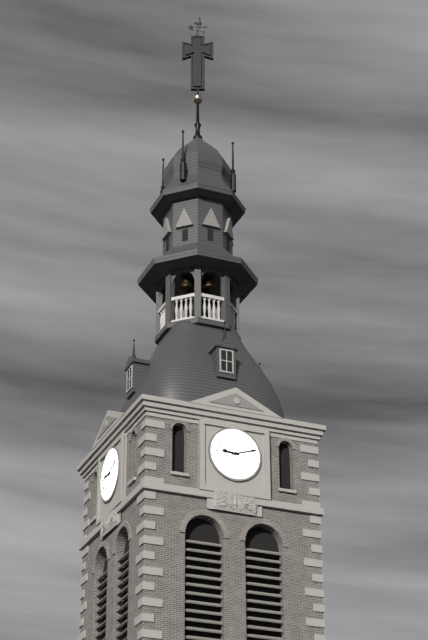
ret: 9:12
